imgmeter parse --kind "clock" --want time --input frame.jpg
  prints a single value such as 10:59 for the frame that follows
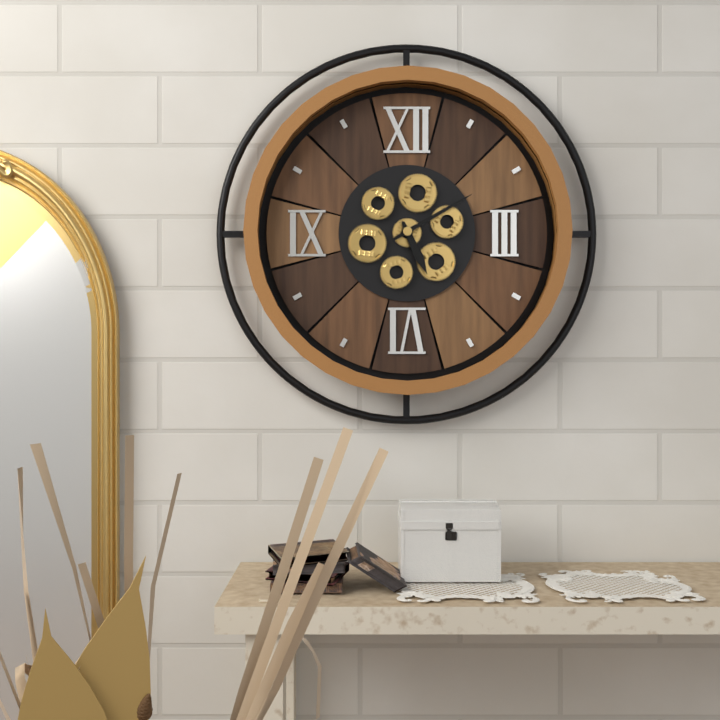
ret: 5:10
